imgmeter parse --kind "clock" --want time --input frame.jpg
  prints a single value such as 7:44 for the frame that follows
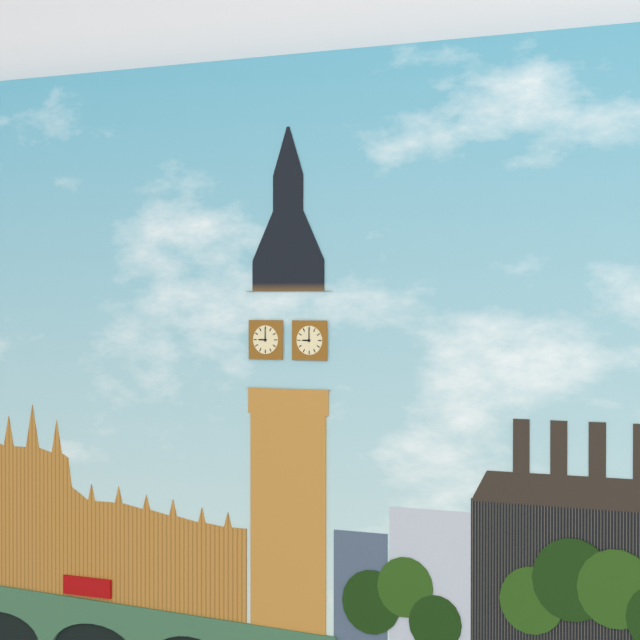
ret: 9:00
